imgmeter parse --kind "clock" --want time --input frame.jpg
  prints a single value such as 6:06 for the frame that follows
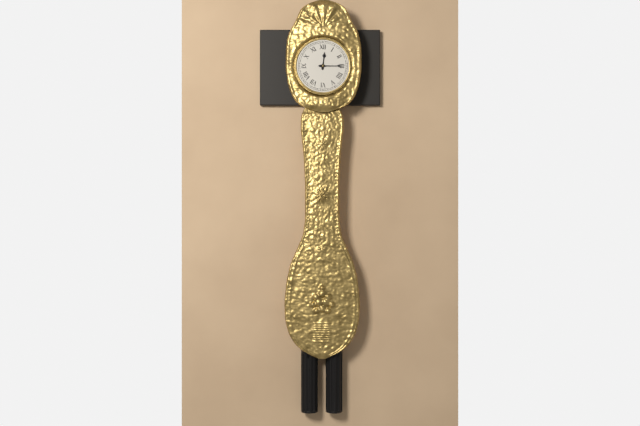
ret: 12:15
